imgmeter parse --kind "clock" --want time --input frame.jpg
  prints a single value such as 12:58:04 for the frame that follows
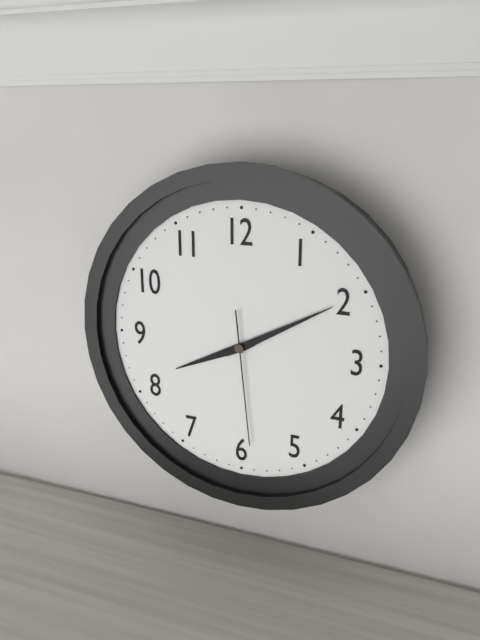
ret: 8:10:29
